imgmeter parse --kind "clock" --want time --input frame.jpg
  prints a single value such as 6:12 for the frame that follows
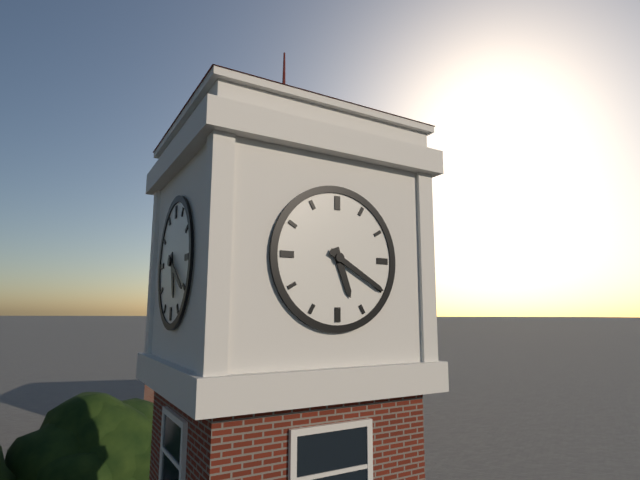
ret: 5:20
